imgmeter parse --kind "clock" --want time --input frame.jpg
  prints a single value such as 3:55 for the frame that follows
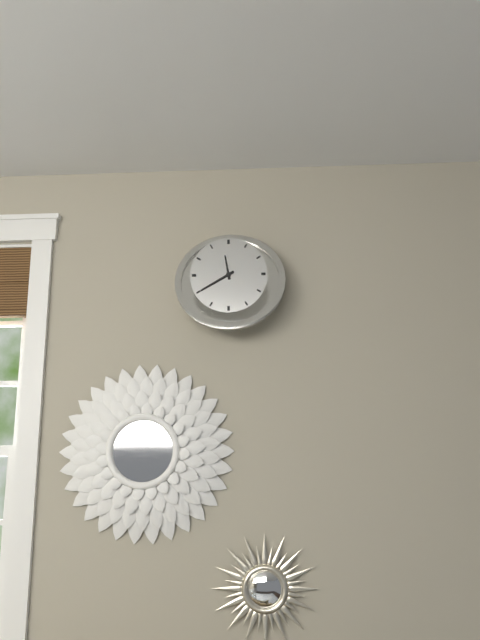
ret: 11:40
